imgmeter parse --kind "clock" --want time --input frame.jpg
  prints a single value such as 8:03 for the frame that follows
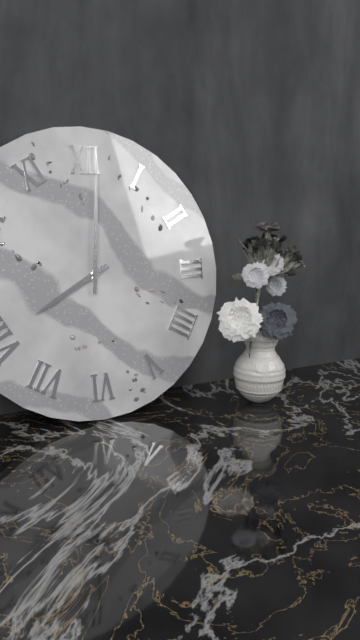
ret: 8:01
